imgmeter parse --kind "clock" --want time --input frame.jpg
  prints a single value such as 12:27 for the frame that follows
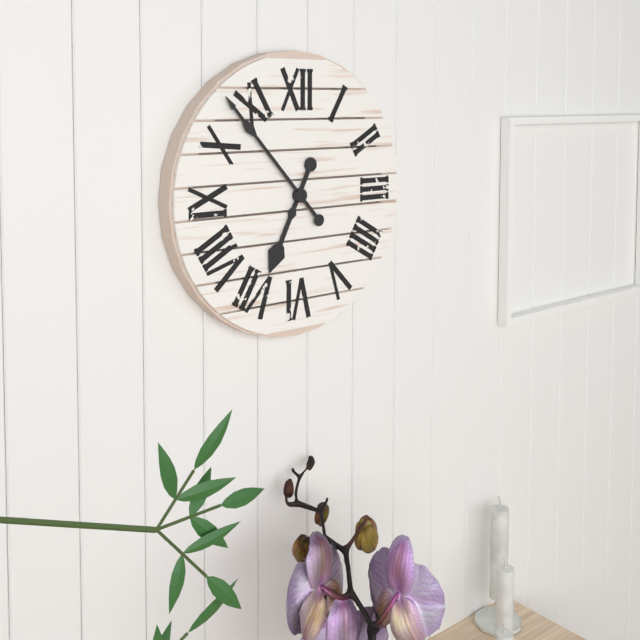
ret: 6:53
